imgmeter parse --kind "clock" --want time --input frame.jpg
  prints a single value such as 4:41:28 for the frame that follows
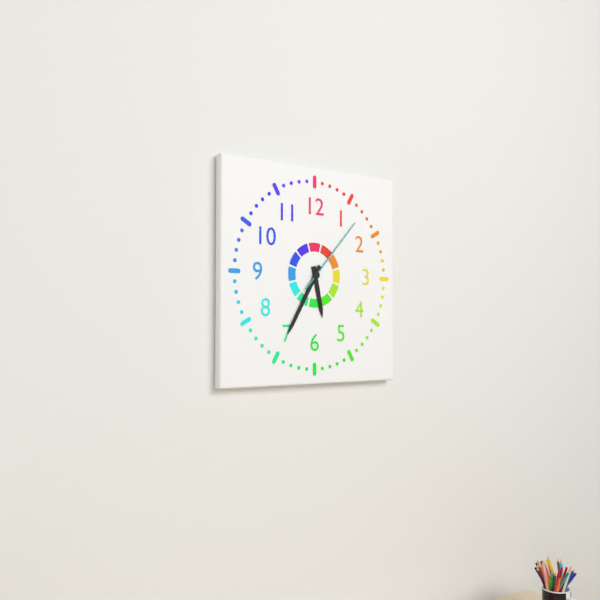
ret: 5:35:07
